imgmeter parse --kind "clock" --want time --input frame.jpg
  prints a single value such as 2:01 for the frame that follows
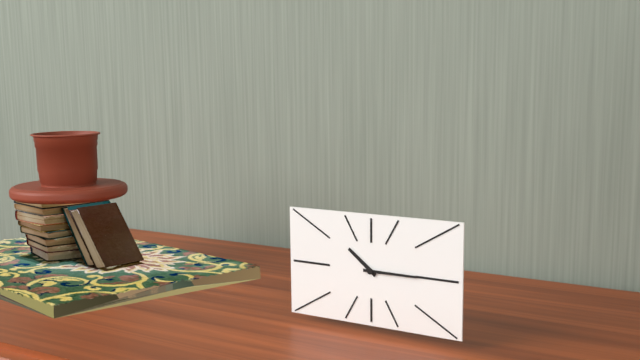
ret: 10:15
